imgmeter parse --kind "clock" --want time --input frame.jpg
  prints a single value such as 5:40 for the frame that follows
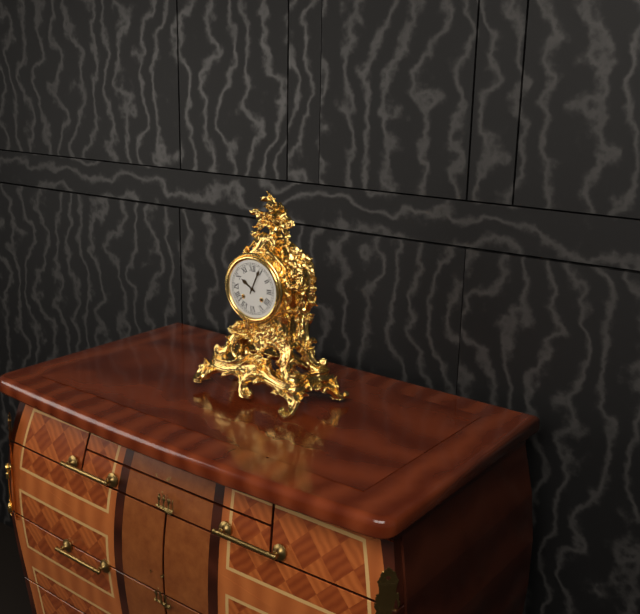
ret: 10:04
